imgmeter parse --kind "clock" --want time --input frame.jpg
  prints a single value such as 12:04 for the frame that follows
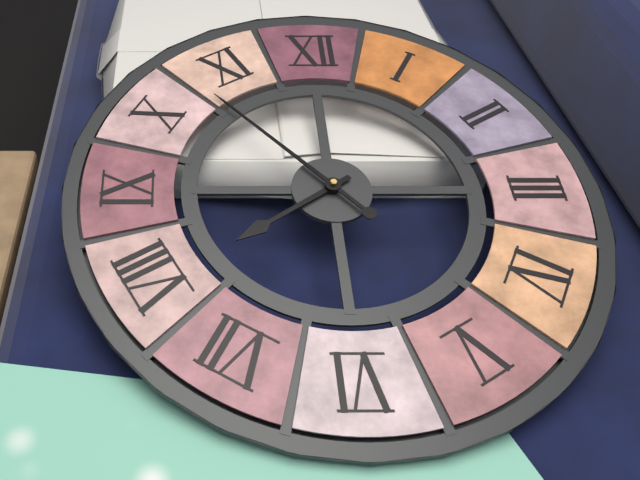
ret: 7:53
